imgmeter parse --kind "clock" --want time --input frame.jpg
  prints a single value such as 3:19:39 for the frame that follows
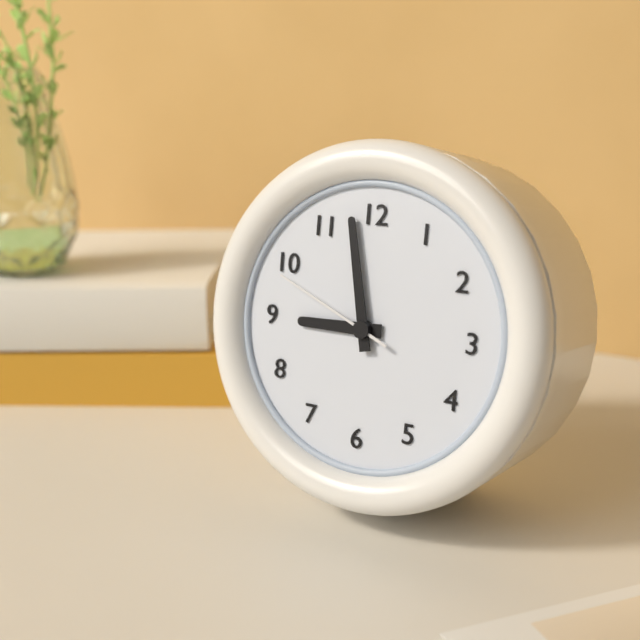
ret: 8:58:49
